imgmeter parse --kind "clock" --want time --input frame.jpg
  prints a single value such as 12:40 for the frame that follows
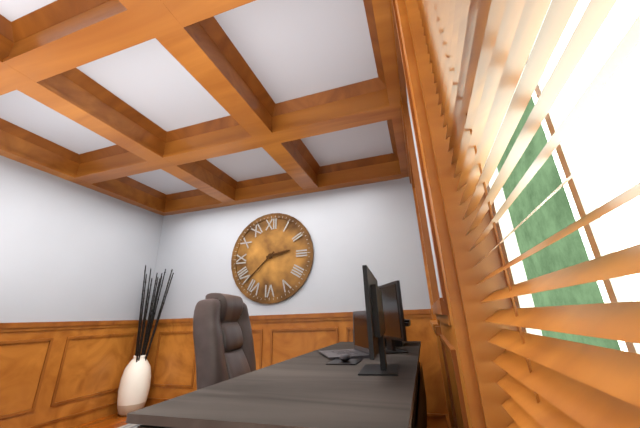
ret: 2:38
